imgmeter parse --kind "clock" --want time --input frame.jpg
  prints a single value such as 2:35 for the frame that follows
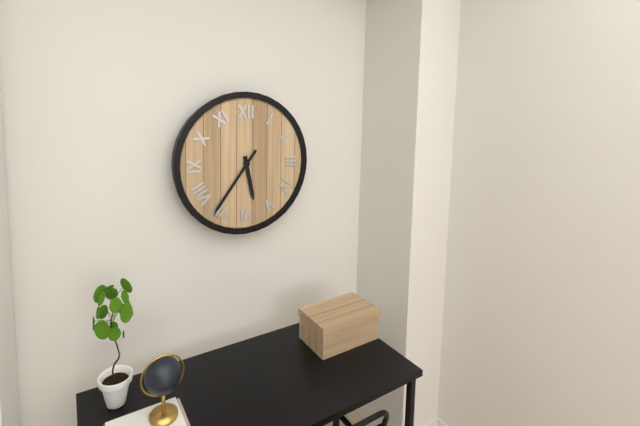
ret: 5:36
